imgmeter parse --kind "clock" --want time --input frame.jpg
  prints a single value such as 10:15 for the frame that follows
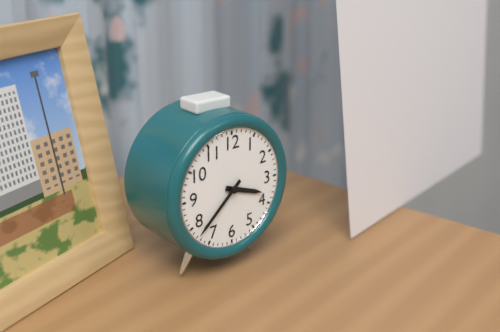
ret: 3:38
